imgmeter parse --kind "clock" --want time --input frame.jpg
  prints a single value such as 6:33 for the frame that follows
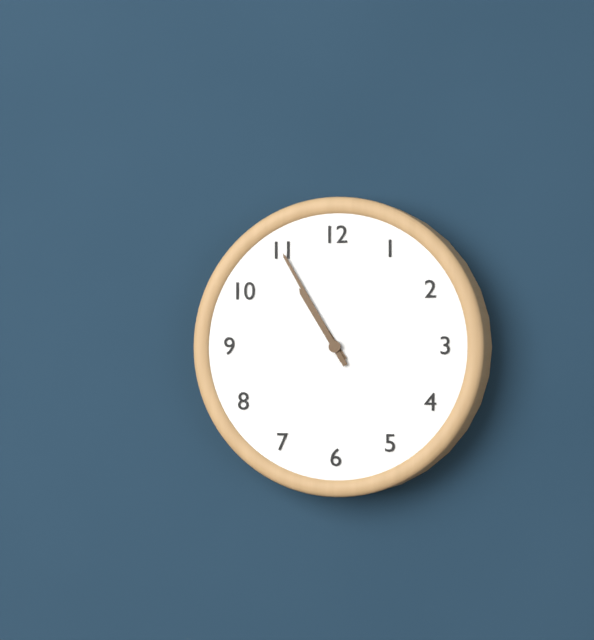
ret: 10:55
